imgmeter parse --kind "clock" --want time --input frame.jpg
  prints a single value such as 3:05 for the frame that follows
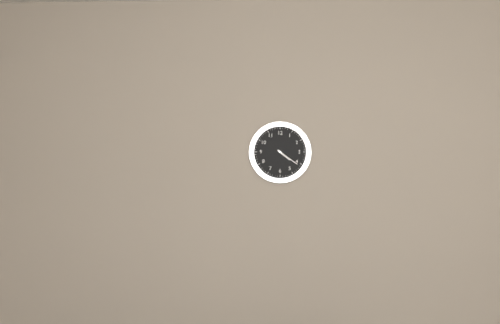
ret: 4:21
